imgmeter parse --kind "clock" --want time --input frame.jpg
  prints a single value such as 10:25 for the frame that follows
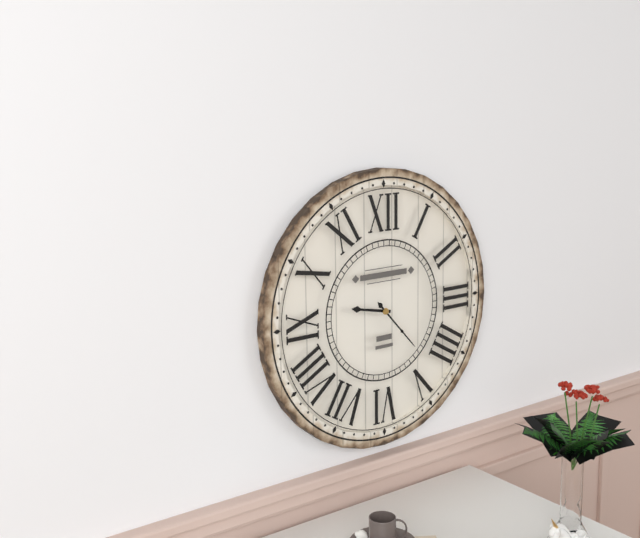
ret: 9:23
